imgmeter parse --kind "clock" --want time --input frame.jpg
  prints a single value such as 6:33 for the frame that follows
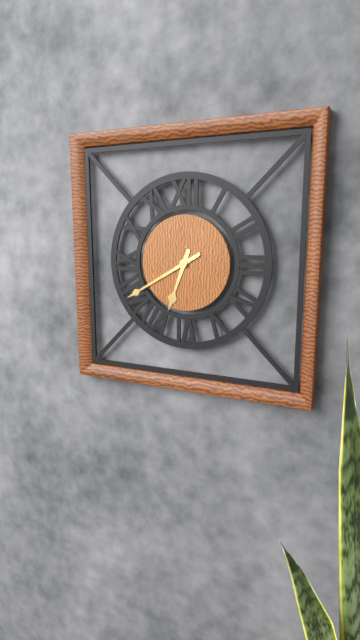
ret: 6:40
